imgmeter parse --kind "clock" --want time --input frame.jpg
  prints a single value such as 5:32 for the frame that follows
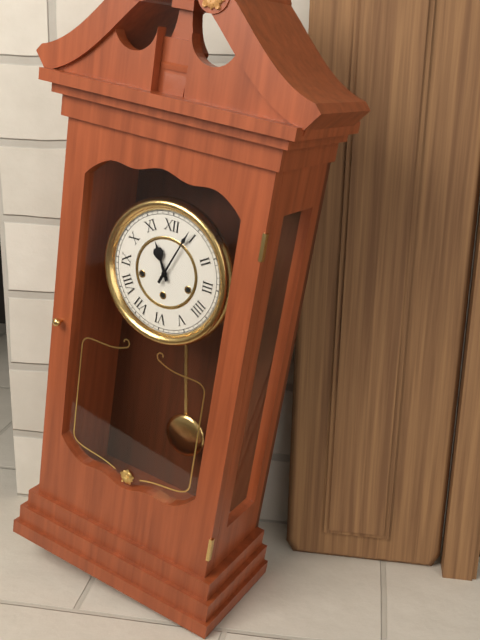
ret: 11:04
